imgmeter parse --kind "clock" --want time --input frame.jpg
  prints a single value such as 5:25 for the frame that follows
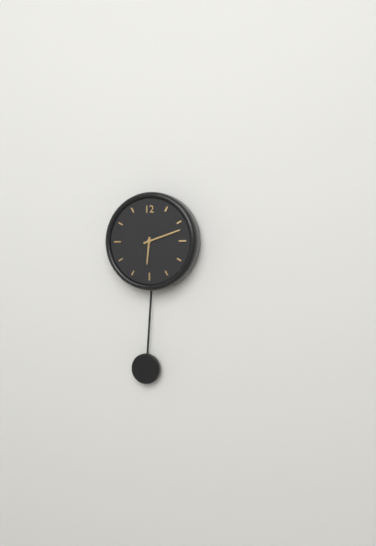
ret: 6:12
